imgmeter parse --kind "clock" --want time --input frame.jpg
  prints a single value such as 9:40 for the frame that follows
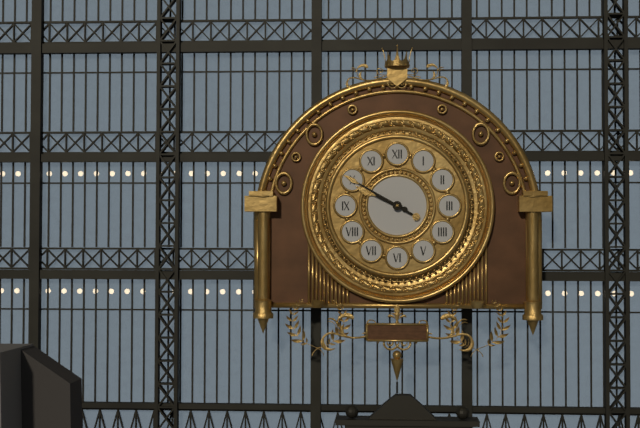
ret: 9:50
